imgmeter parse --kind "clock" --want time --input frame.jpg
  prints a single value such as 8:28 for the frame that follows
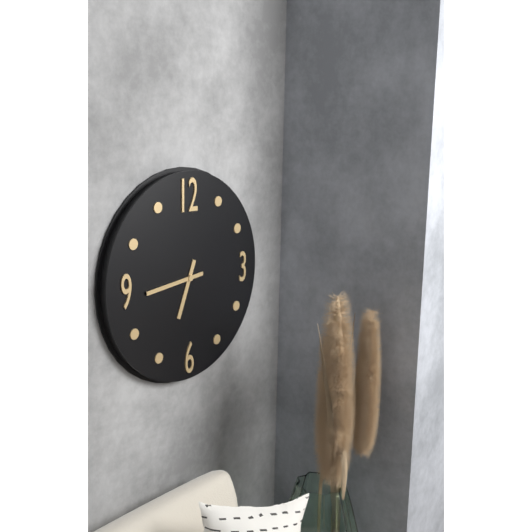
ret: 6:44
